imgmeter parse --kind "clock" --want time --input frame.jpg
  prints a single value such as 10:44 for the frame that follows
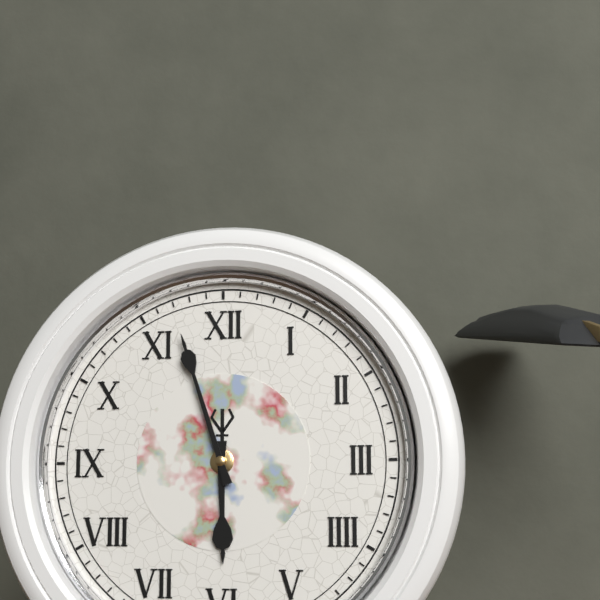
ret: 5:57
